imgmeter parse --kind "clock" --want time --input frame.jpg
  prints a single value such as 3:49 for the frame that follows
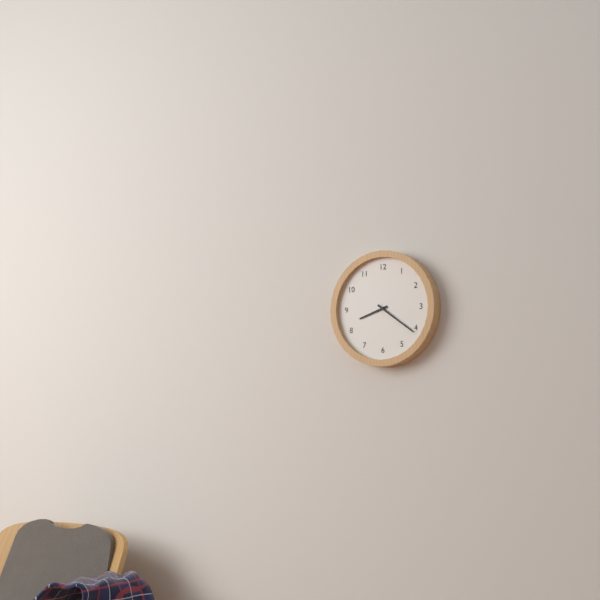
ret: 8:21
